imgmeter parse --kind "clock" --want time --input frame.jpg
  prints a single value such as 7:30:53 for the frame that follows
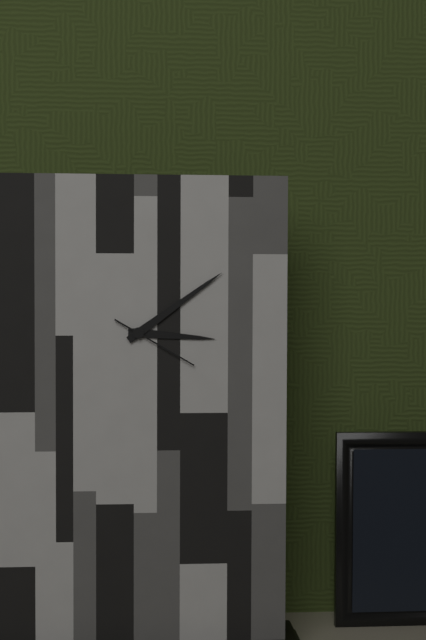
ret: 3:09:20
